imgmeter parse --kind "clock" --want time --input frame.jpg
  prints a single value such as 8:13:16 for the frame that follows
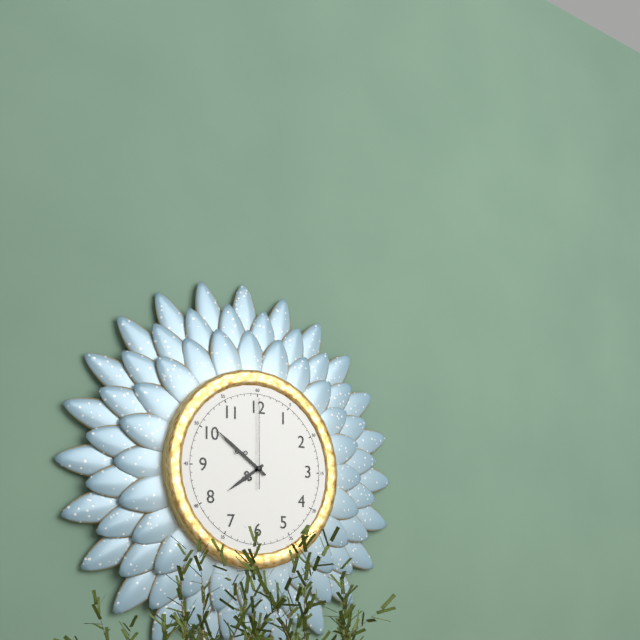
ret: 7:51:00
